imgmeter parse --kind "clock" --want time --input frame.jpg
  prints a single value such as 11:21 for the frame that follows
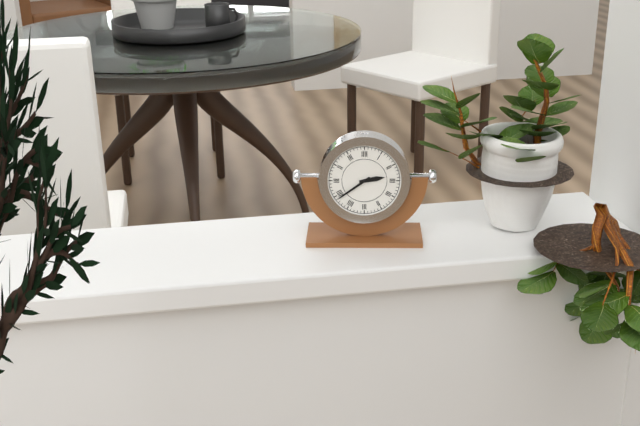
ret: 2:39
